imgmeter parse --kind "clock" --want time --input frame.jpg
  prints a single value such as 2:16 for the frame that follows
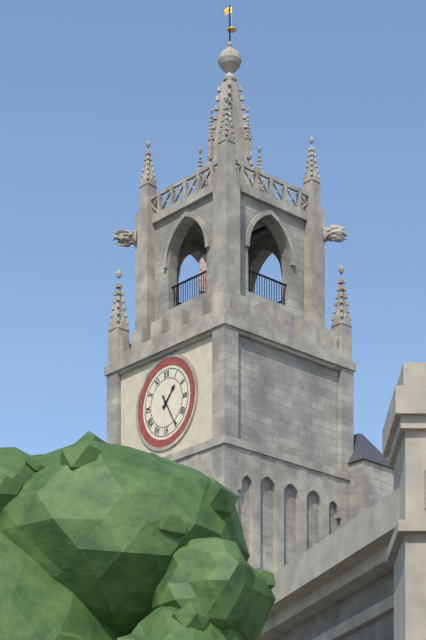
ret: 1:25
